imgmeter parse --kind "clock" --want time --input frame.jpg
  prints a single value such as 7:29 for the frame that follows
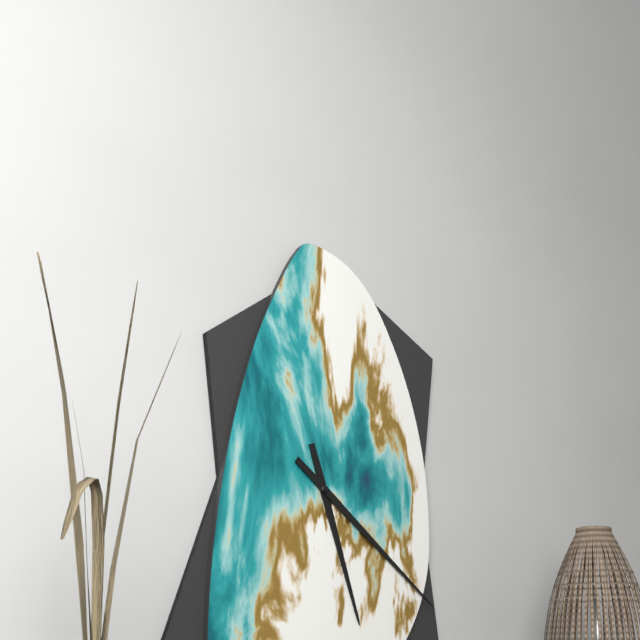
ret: 5:21
